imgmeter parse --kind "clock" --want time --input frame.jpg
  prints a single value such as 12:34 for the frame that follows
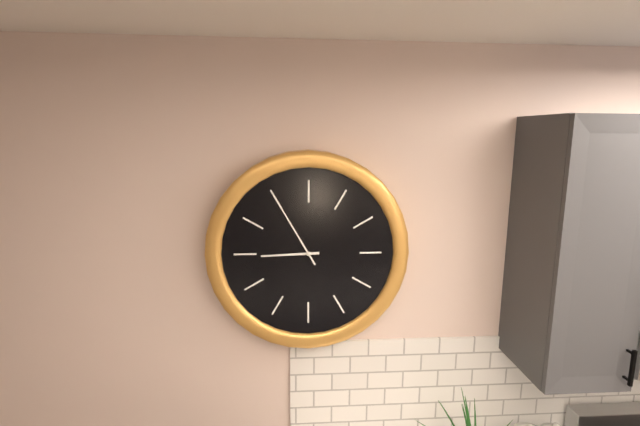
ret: 8:55
